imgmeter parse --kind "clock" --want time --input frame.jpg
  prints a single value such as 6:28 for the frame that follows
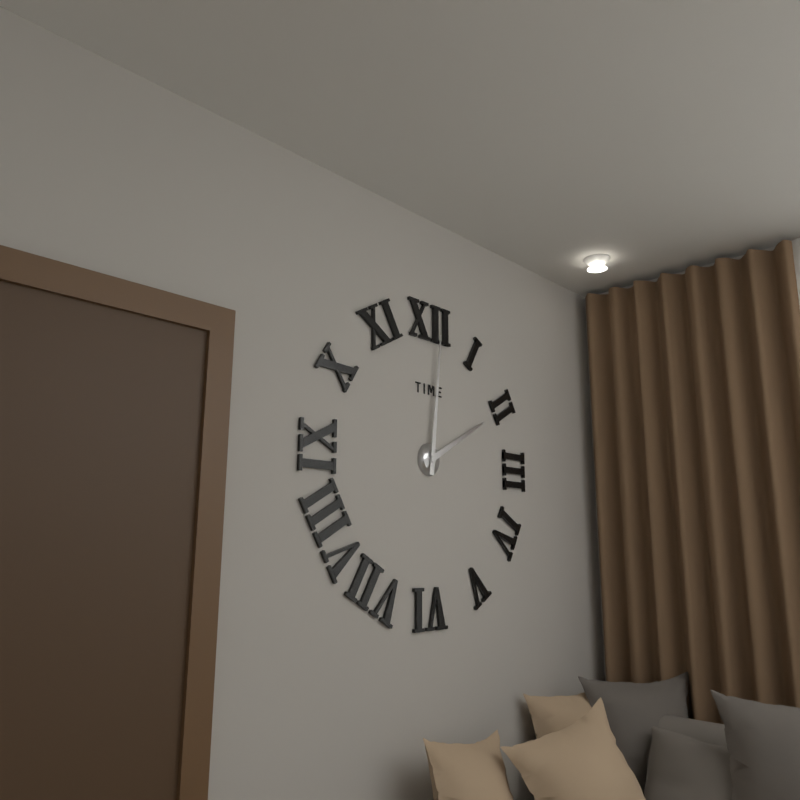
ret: 2:01
